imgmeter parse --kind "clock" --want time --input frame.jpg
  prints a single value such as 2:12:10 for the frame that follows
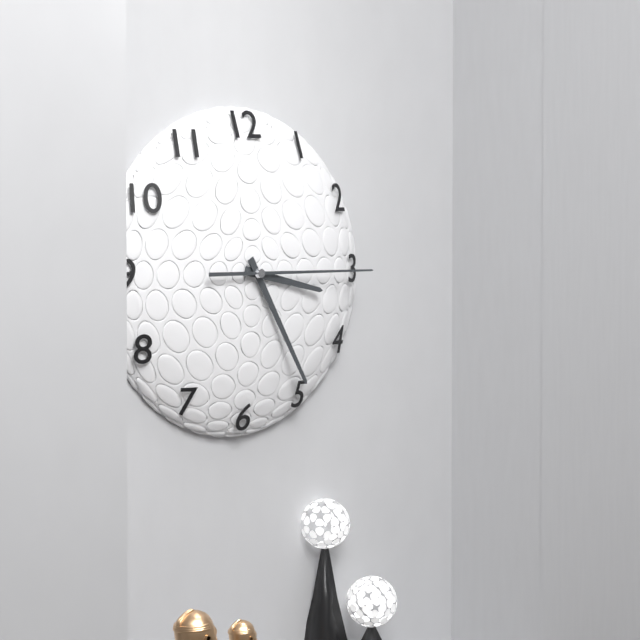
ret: 3:25:15
